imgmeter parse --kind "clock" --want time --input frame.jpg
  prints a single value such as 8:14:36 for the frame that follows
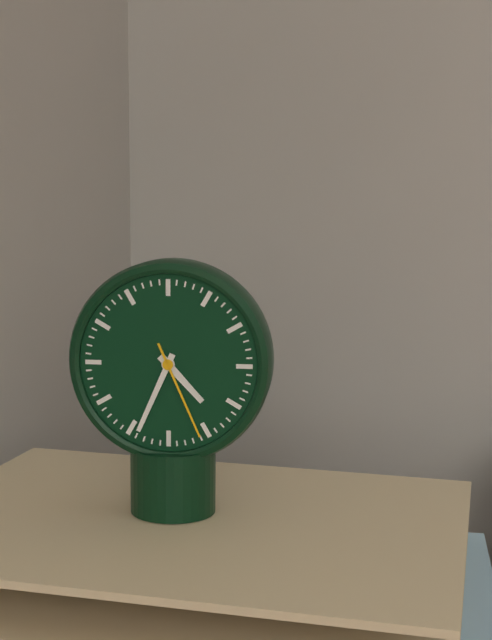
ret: 4:34:26
